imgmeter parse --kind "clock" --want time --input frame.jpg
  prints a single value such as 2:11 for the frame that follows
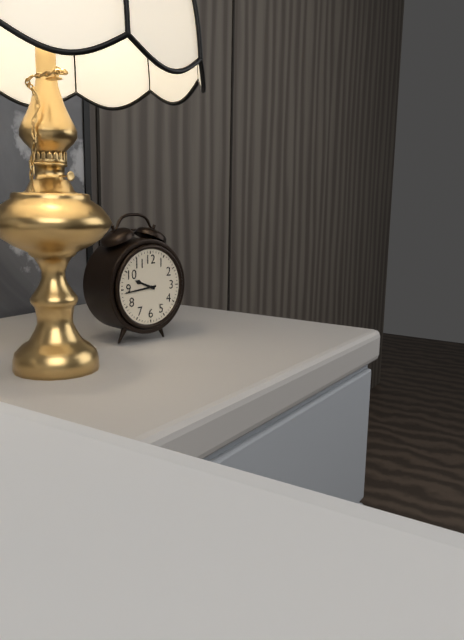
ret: 9:44
